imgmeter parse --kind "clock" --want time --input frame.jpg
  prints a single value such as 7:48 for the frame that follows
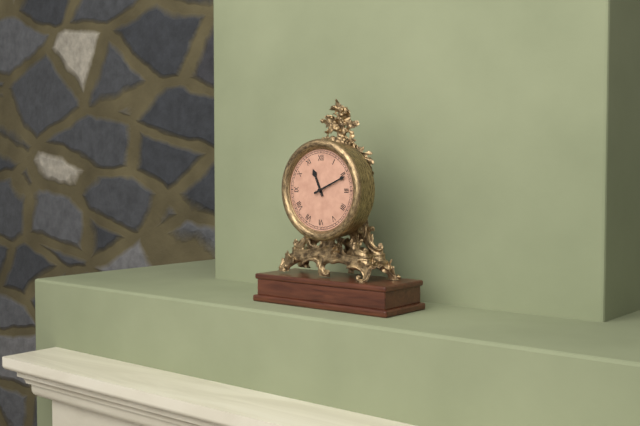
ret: 11:11
